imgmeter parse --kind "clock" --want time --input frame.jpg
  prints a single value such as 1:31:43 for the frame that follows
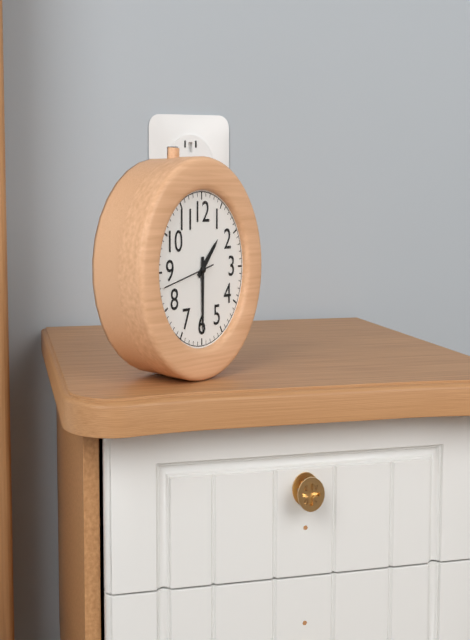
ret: 1:30:43
